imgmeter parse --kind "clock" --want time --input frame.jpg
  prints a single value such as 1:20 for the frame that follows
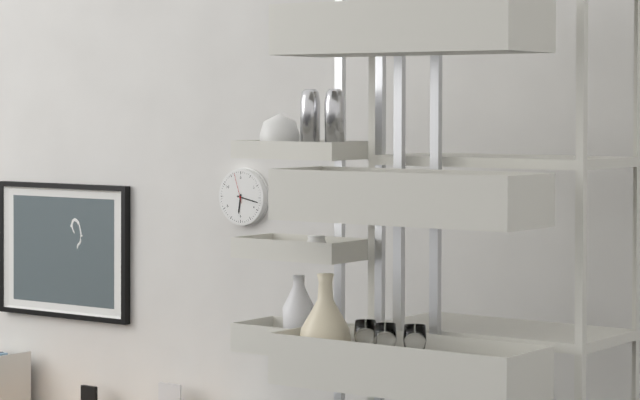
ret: 6:17
